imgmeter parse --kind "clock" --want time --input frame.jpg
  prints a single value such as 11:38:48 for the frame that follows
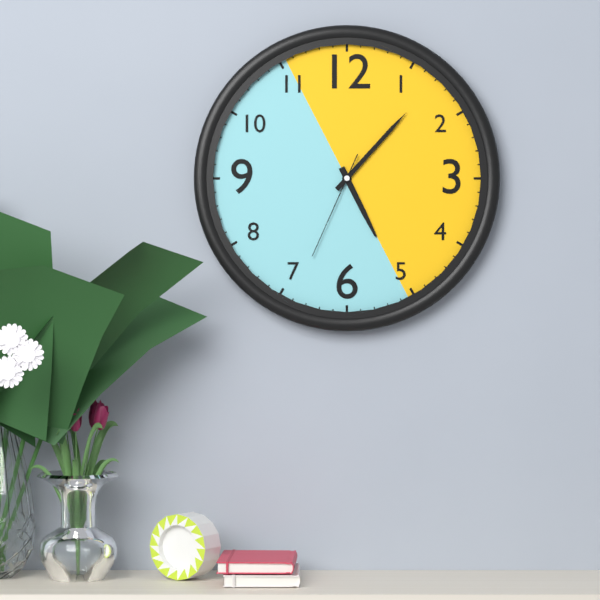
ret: 5:07:34
